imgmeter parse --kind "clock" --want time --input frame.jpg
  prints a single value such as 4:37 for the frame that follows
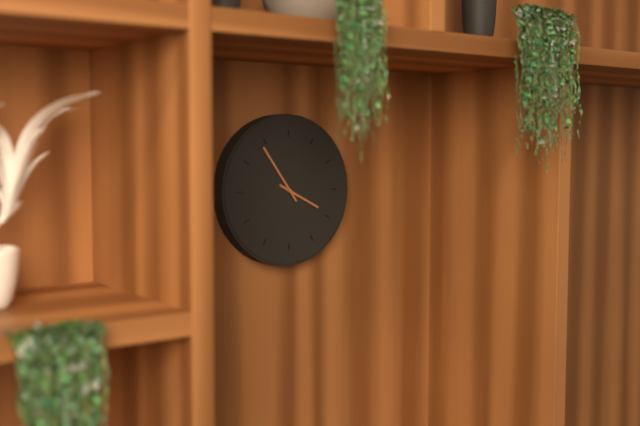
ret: 3:54
